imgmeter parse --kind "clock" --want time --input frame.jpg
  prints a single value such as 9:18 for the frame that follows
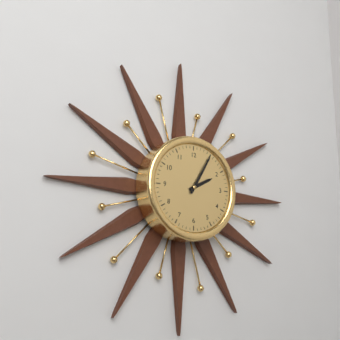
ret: 2:05
